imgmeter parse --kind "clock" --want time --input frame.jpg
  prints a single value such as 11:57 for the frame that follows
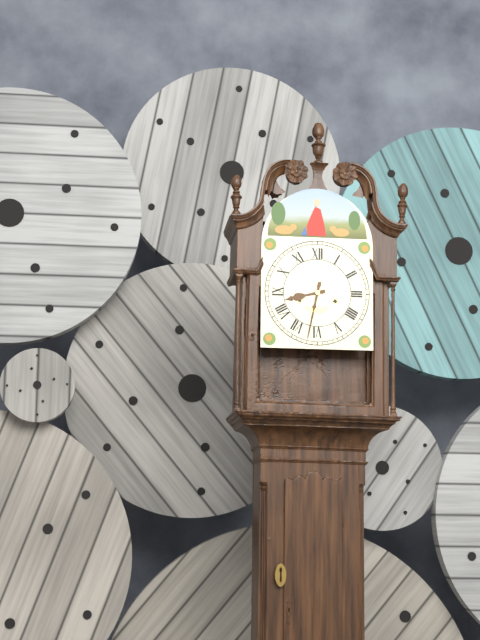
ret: 8:32
